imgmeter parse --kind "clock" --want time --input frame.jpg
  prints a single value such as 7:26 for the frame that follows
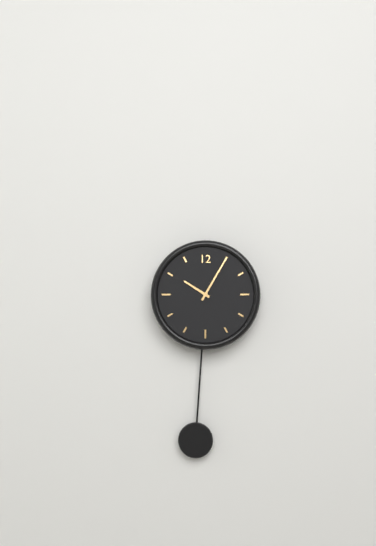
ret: 10:05
